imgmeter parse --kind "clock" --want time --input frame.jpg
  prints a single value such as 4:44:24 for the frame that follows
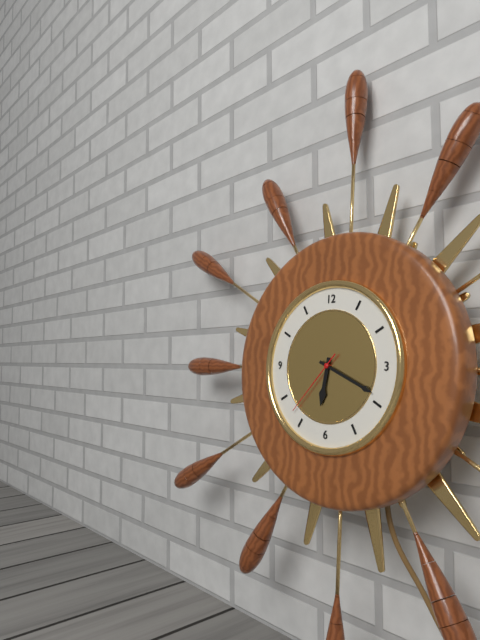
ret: 6:19:37
